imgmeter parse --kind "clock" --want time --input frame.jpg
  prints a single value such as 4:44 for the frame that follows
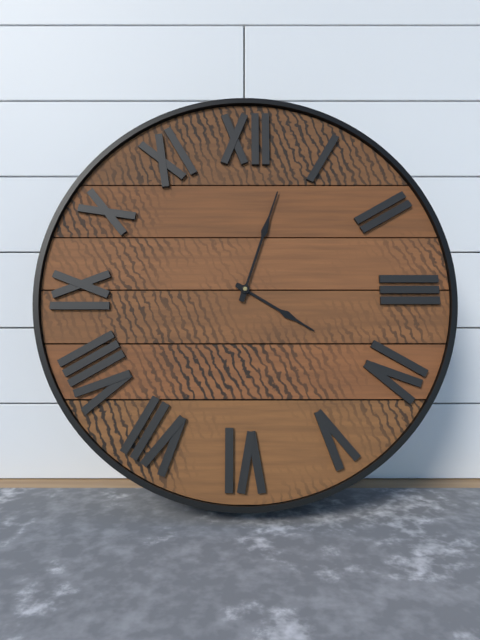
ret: 4:03
